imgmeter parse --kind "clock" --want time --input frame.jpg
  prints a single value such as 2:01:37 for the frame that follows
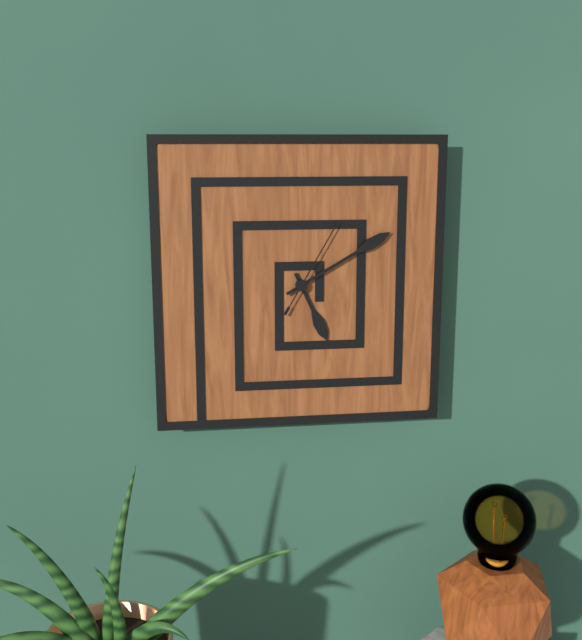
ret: 5:10:05
